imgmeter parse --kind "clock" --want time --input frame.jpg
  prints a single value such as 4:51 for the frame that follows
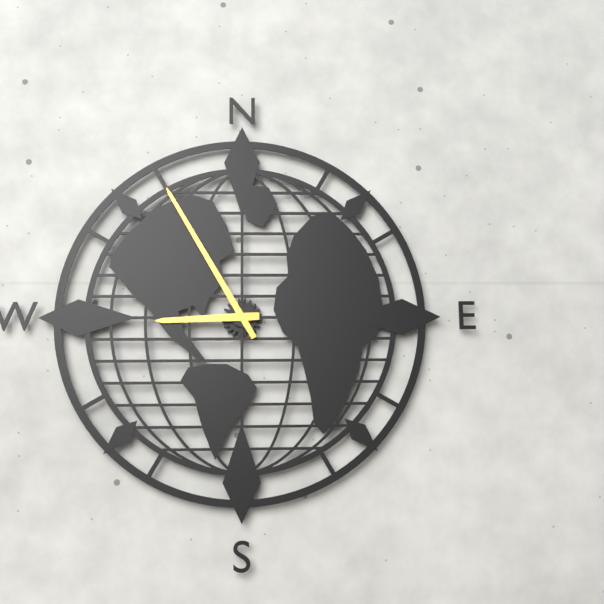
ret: 8:55
